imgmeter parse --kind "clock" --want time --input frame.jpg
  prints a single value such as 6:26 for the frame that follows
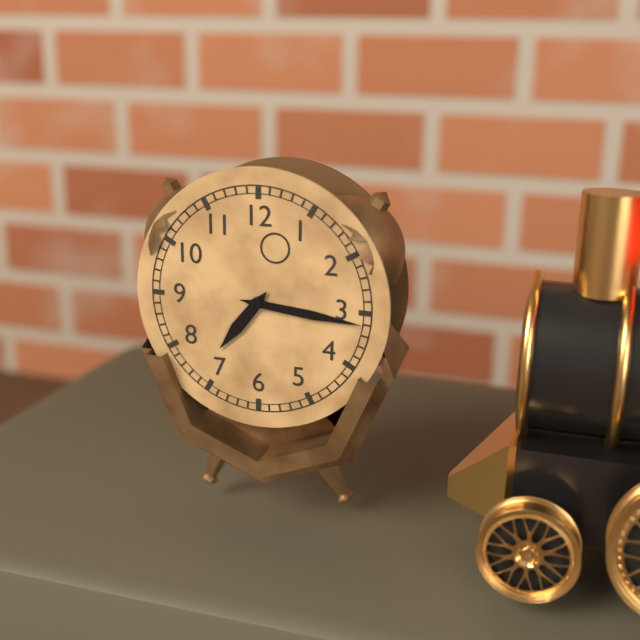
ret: 7:16
